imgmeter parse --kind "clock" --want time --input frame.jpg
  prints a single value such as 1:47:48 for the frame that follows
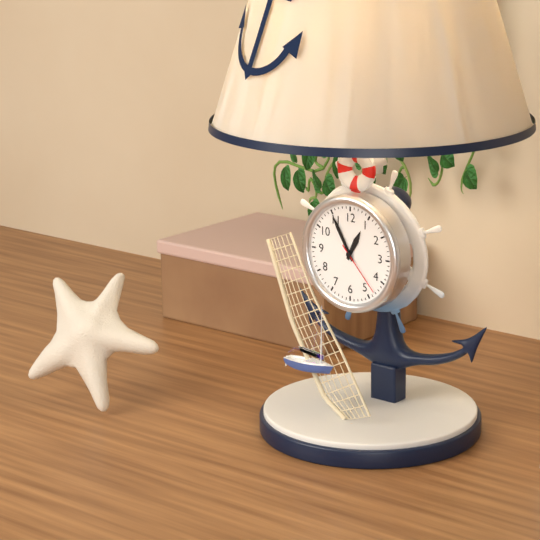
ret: 12:55:23
